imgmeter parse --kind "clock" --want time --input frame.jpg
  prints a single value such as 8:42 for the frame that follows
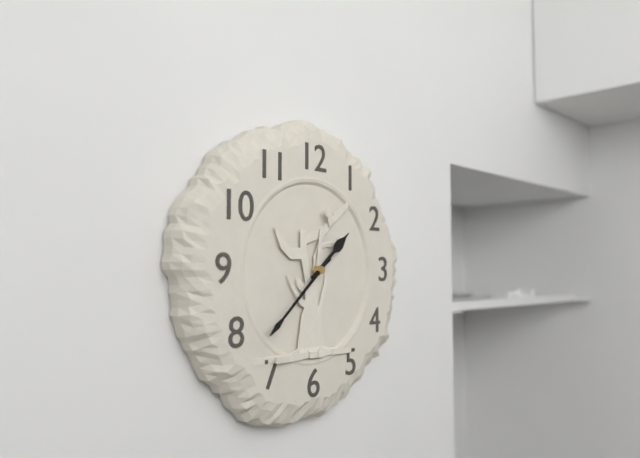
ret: 1:38
